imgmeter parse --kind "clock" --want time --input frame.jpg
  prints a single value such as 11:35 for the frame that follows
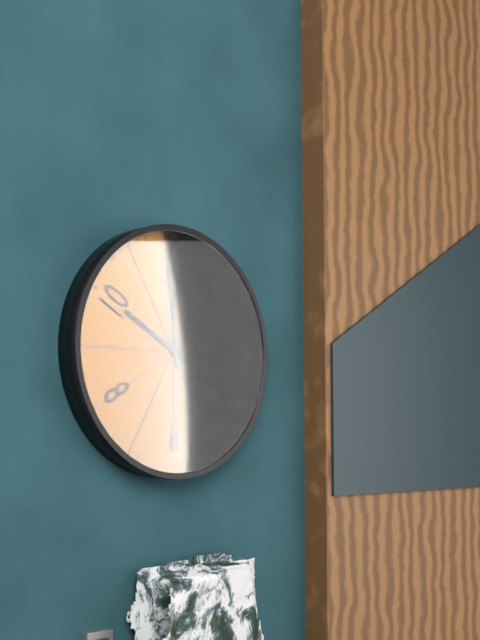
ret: 9:59
